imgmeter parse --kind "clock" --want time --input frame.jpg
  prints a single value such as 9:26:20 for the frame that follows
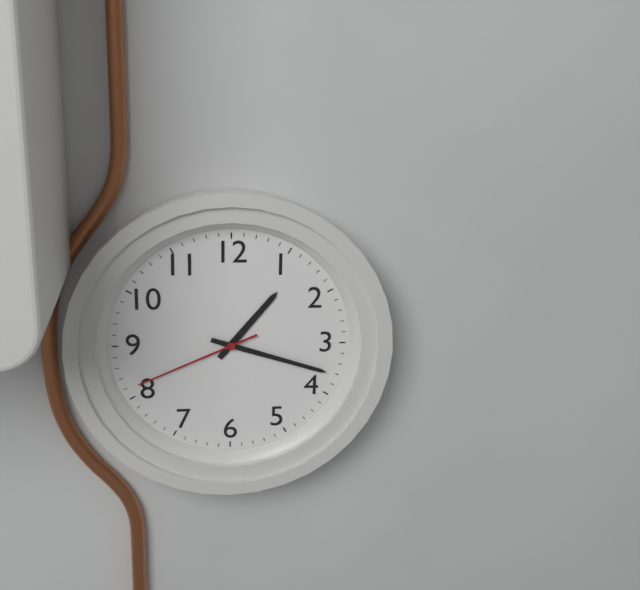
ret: 1:18:41
